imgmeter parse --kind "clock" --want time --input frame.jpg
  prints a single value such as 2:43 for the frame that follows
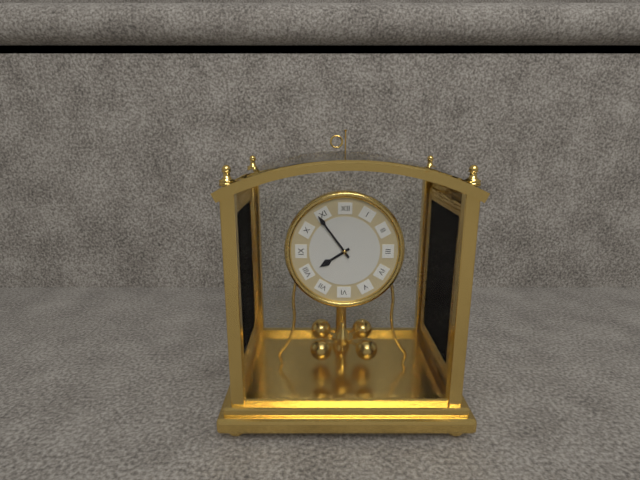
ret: 7:54
